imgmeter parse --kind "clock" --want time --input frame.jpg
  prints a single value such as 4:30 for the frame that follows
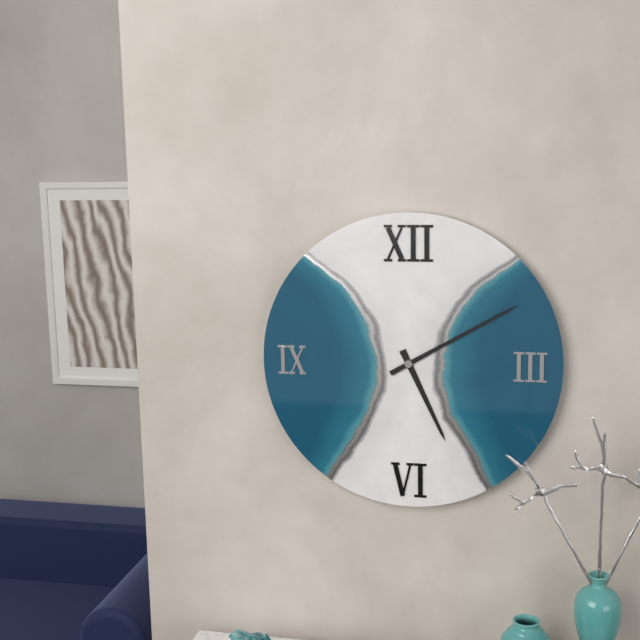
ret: 5:10
